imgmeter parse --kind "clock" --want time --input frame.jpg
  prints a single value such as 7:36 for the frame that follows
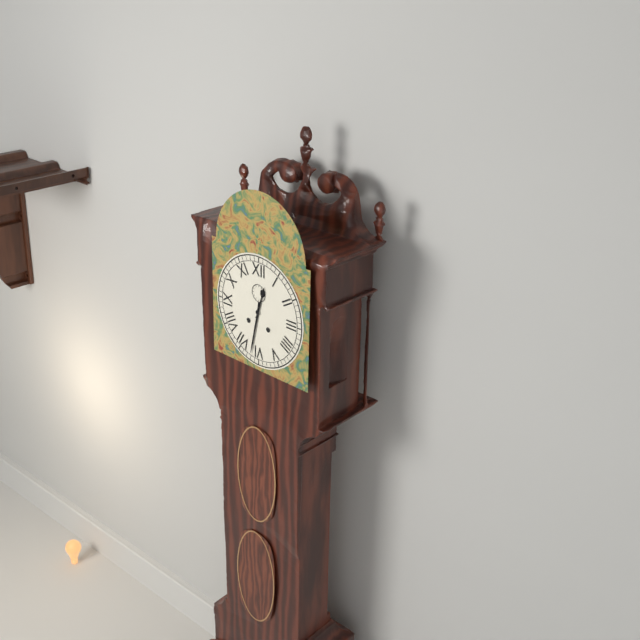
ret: 12:32
